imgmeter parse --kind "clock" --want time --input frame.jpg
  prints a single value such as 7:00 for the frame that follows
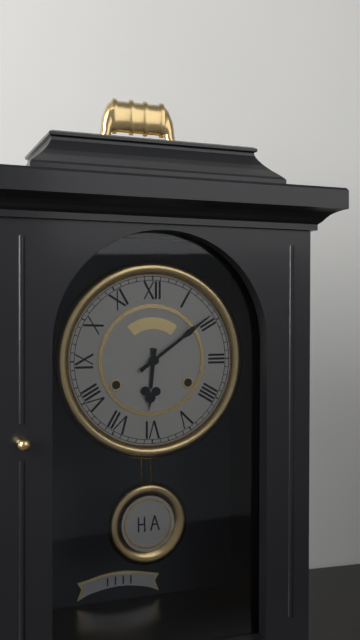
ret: 6:09
